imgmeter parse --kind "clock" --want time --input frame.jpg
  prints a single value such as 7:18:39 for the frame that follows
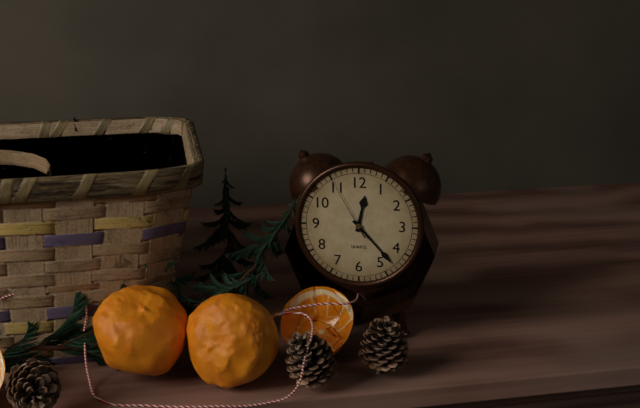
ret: 12:23:55
